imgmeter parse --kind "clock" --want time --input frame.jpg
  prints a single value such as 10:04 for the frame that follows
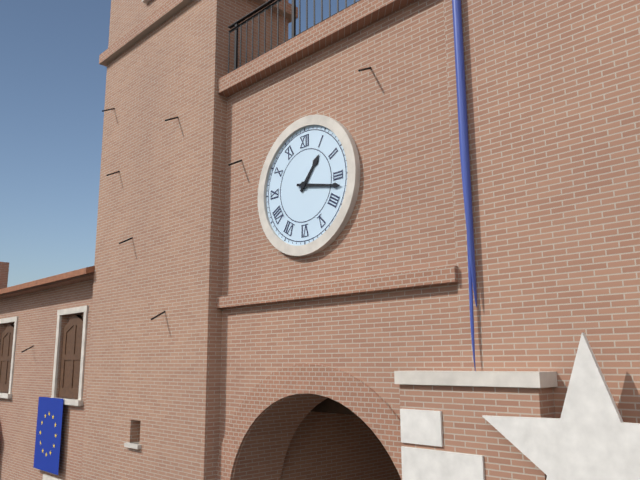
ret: 1:17
